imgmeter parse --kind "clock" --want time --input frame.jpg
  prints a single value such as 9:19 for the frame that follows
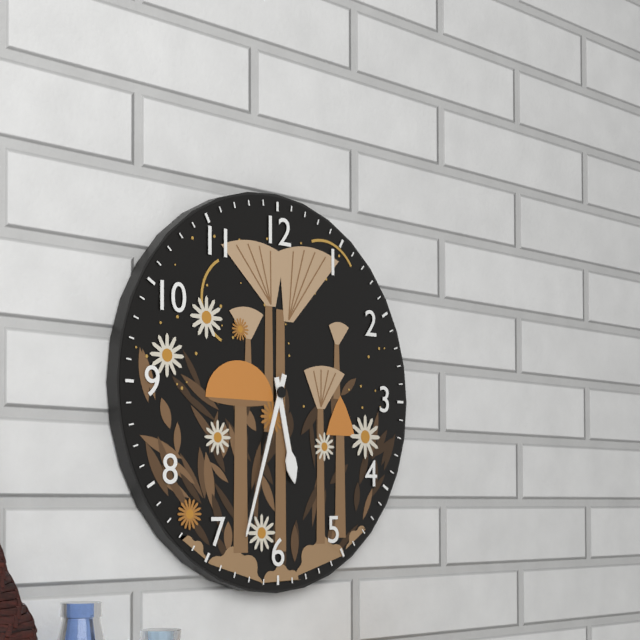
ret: 5:33
